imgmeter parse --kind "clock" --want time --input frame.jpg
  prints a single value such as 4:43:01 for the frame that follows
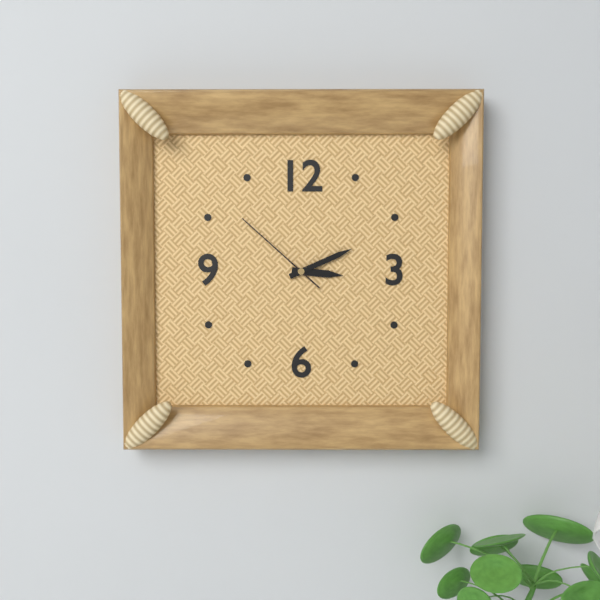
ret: 3:11:52
